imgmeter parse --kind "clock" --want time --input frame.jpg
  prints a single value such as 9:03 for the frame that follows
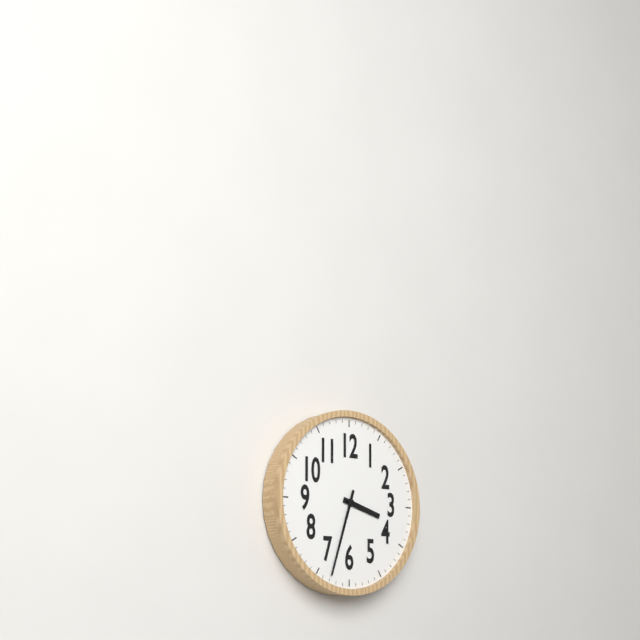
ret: 3:33
